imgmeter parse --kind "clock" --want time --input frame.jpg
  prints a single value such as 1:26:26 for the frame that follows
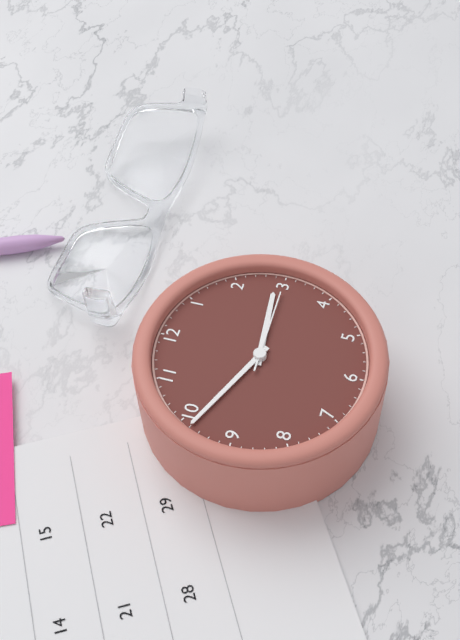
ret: 2:49:15
